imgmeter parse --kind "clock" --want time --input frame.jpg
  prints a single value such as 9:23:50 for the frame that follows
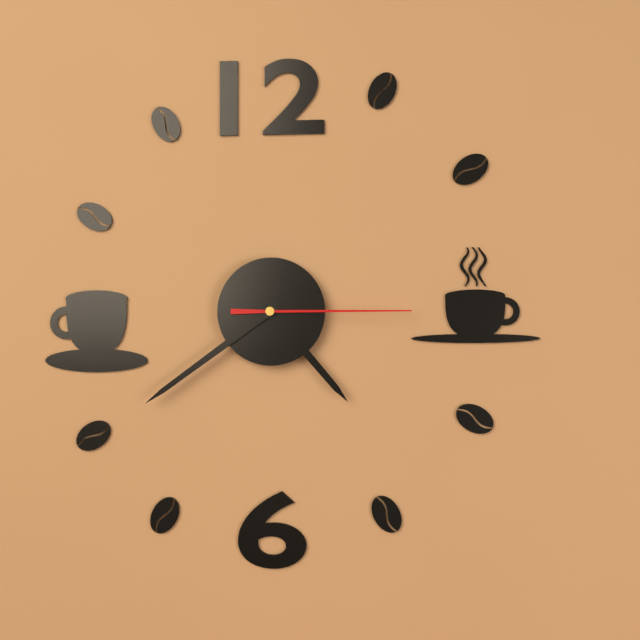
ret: 4:39:15
